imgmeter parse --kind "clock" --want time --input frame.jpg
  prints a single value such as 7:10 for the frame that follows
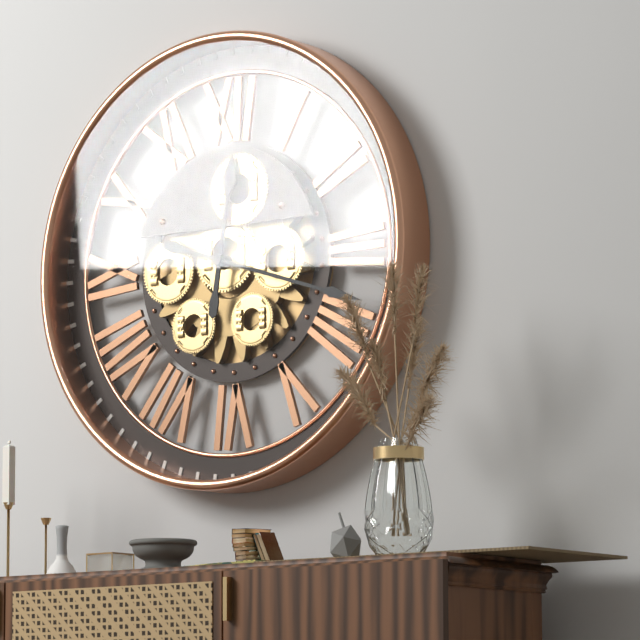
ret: 12:18
